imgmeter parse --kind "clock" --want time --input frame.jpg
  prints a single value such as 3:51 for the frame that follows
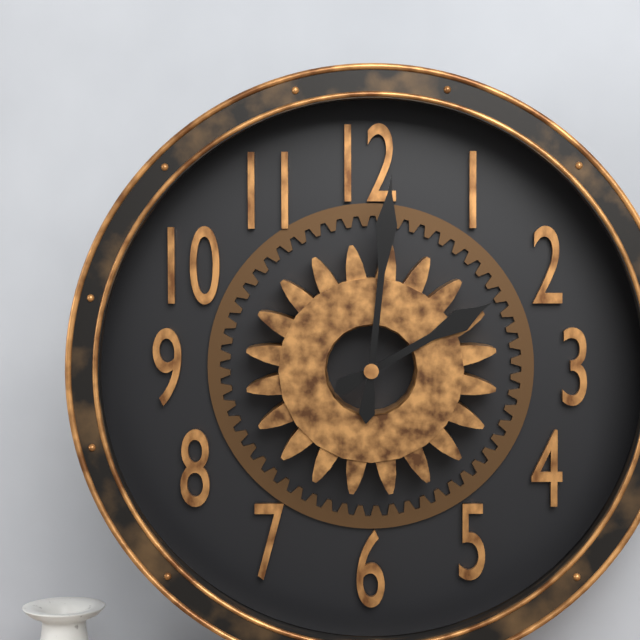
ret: 2:01
